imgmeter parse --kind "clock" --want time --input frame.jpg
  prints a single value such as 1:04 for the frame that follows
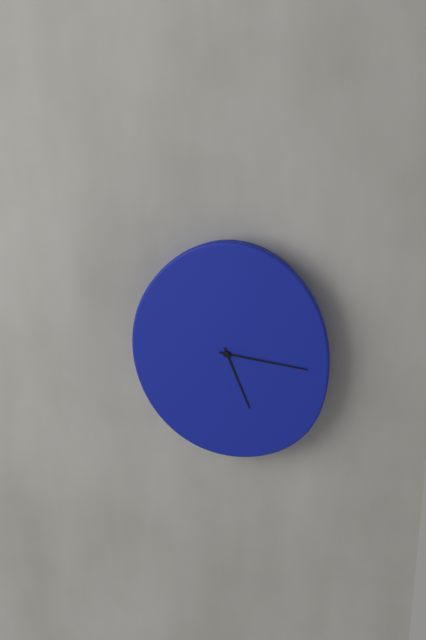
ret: 5:16
